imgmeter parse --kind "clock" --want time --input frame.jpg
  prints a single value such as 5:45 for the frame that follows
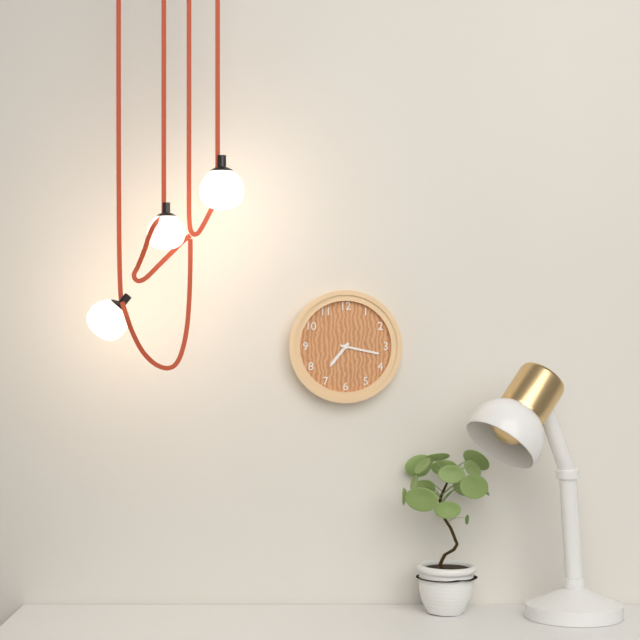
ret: 7:17
